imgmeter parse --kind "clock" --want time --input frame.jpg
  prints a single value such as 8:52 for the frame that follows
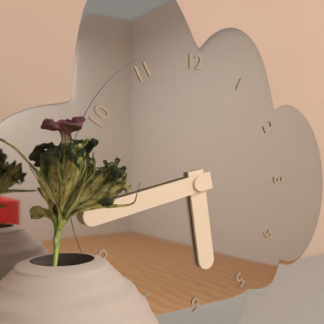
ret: 5:43
